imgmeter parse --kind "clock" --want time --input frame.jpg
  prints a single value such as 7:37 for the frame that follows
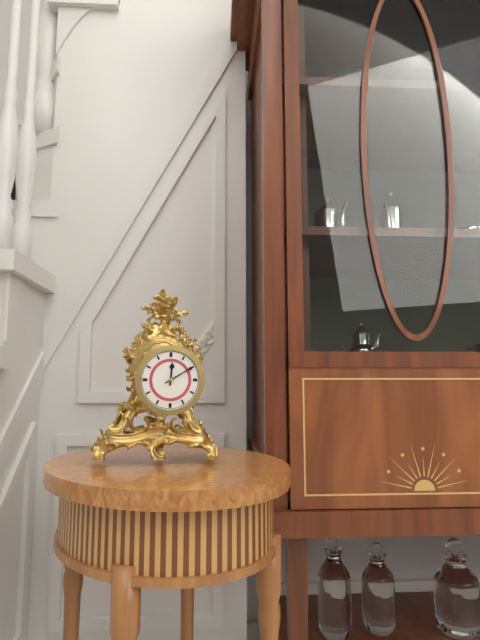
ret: 12:10
